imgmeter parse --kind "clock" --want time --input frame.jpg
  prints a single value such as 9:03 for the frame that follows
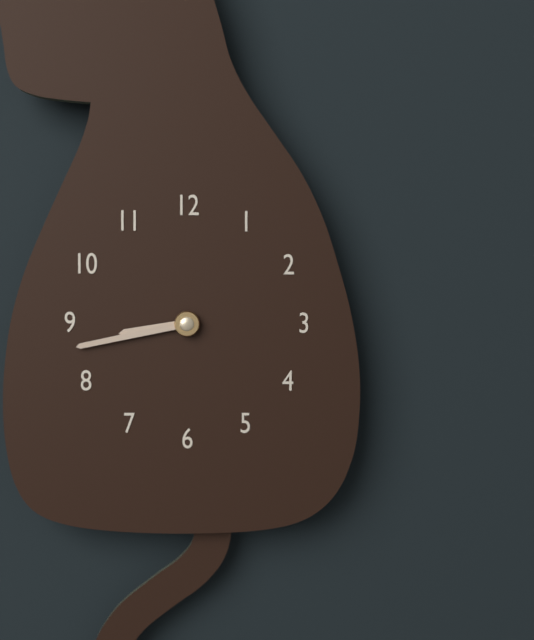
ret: 8:43
